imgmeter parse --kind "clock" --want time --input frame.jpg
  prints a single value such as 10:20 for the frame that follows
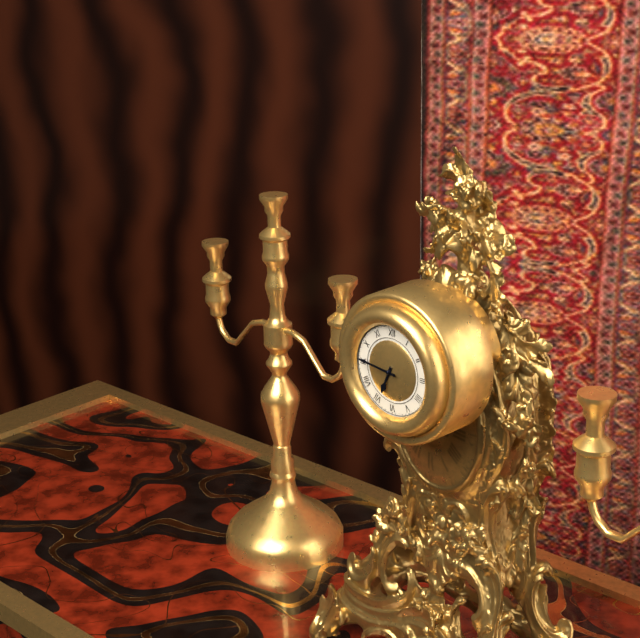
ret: 6:46
